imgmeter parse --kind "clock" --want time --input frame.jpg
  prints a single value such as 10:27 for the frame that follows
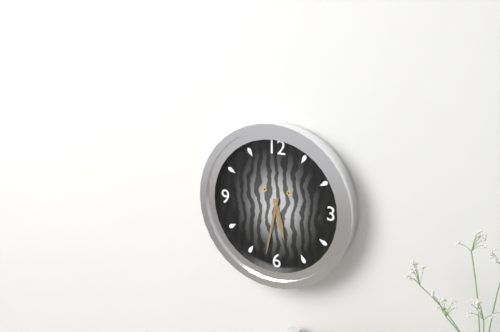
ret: 5:32
